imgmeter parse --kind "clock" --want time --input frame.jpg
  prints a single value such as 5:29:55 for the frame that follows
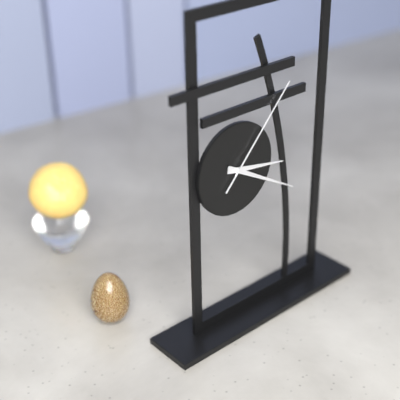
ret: 3:20:07
